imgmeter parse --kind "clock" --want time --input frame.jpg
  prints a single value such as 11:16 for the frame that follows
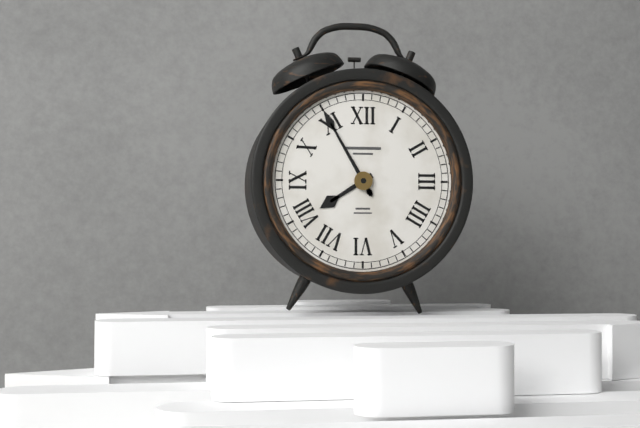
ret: 7:55
